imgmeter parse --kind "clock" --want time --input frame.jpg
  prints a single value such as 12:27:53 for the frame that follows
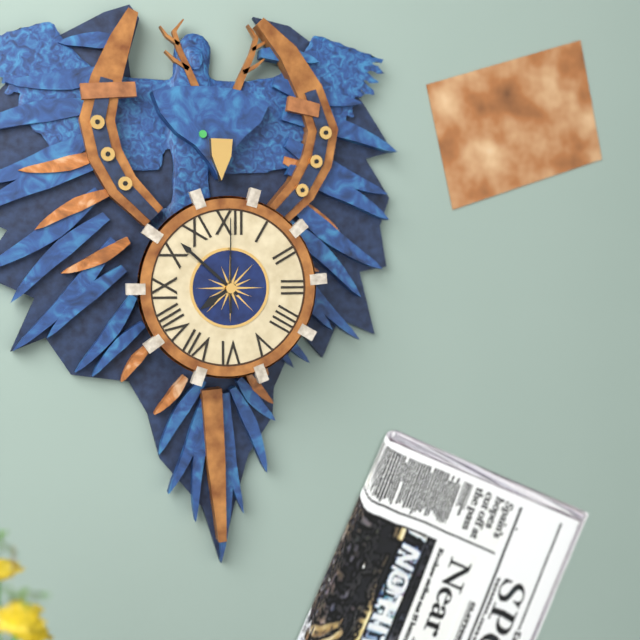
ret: 7:52:00
